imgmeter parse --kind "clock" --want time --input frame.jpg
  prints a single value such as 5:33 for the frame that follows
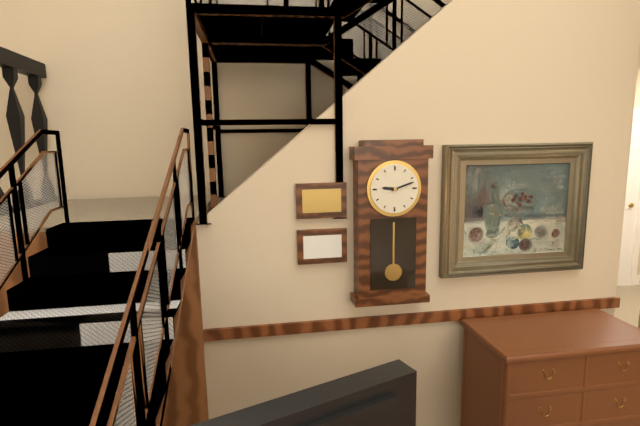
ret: 9:12
